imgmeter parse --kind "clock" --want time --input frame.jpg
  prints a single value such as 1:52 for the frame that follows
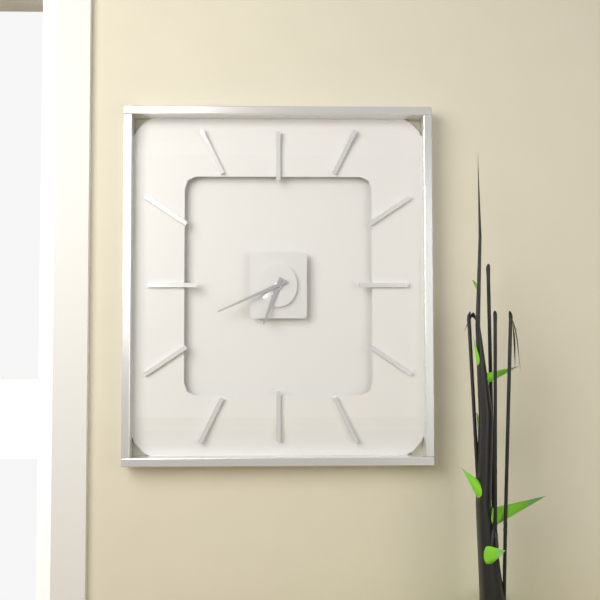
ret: 6:41
